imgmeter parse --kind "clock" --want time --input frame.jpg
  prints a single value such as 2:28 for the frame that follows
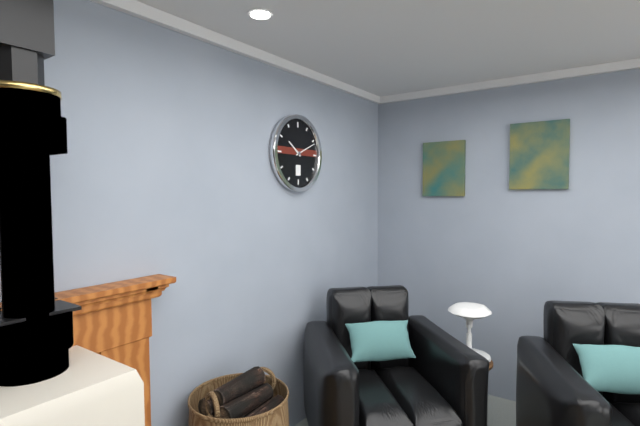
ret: 10:11
